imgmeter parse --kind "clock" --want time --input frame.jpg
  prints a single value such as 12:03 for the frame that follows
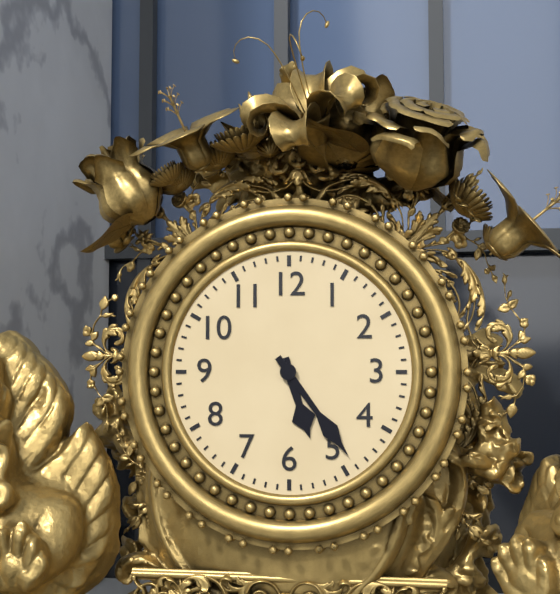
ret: 5:24
